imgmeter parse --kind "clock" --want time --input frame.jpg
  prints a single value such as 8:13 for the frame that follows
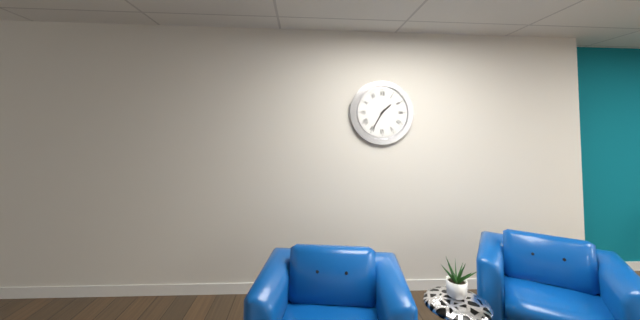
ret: 1:35
